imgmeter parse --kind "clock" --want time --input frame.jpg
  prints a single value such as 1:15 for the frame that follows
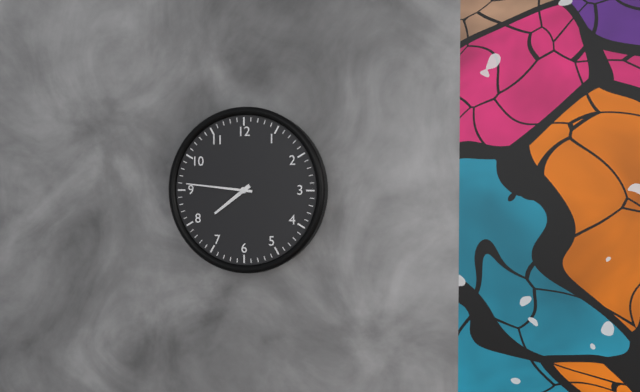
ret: 7:46
